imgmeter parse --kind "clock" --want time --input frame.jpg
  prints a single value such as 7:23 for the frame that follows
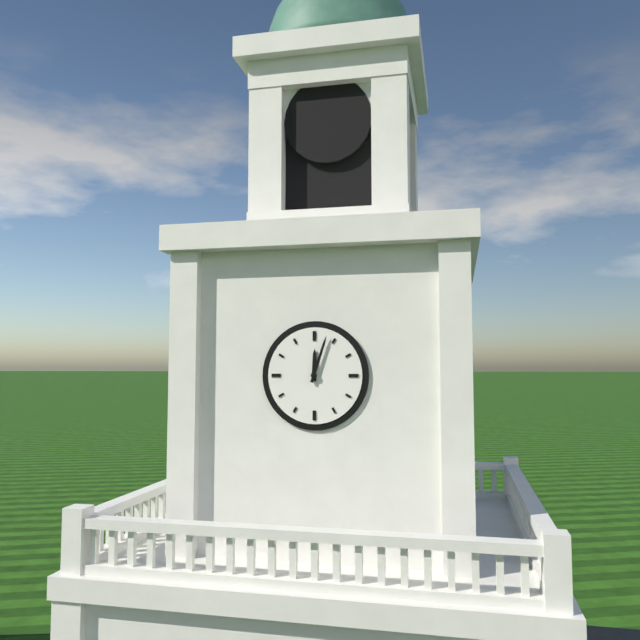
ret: 12:03
